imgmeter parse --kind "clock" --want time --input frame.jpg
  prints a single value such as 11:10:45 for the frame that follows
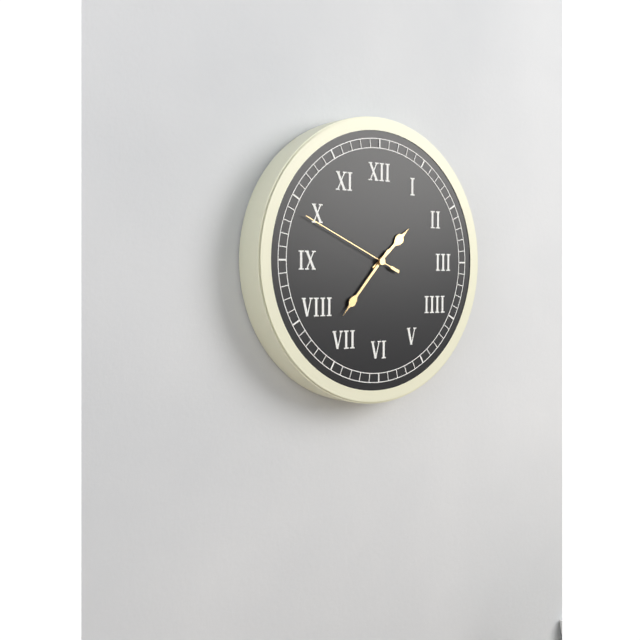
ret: 1:37:49
